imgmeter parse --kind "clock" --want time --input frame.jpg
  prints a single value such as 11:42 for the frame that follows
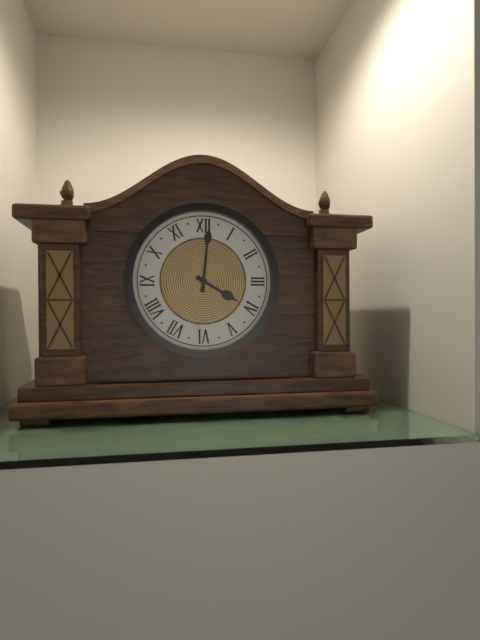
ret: 4:01
